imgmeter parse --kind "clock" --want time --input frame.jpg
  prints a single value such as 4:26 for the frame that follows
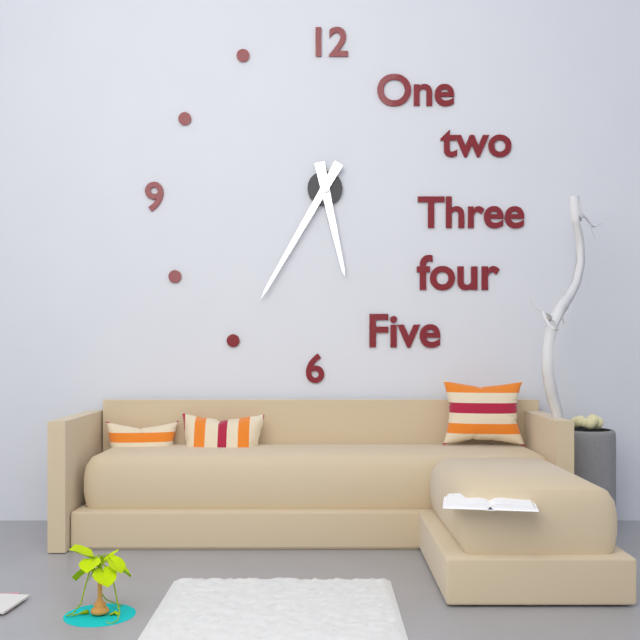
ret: 5:35
